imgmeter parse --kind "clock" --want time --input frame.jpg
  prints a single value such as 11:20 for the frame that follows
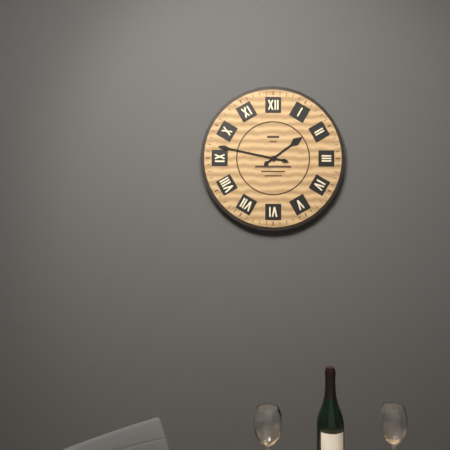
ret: 1:47
